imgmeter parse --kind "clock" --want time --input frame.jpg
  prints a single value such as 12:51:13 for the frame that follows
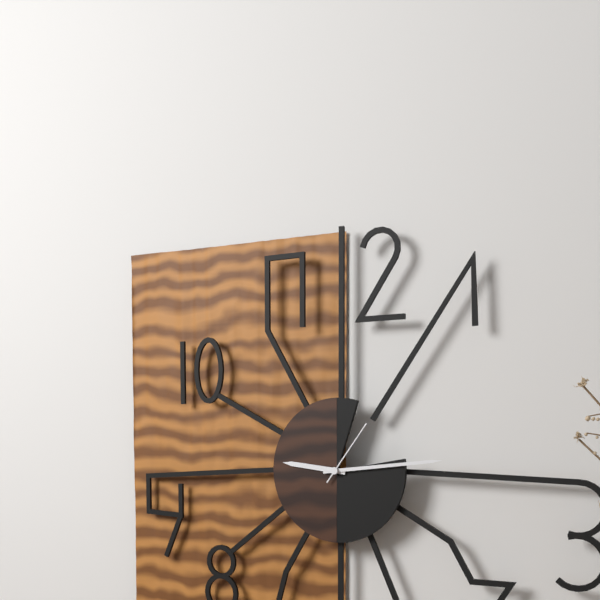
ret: 9:14:06
